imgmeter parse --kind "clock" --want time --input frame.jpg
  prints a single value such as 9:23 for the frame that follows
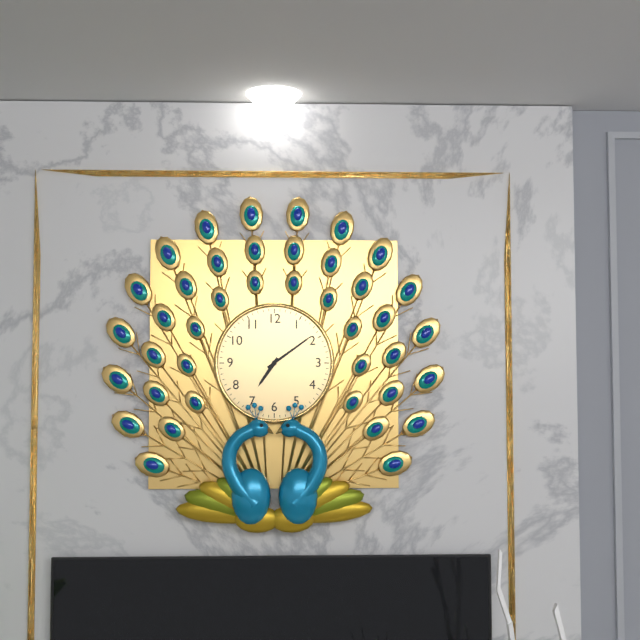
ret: 7:09
